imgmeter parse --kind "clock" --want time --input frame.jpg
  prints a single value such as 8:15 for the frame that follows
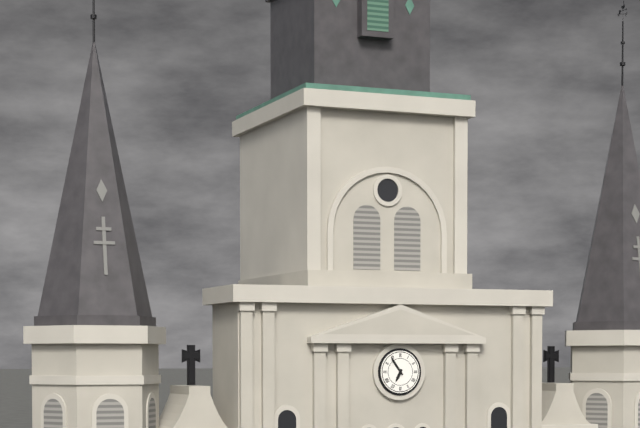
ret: 6:54
